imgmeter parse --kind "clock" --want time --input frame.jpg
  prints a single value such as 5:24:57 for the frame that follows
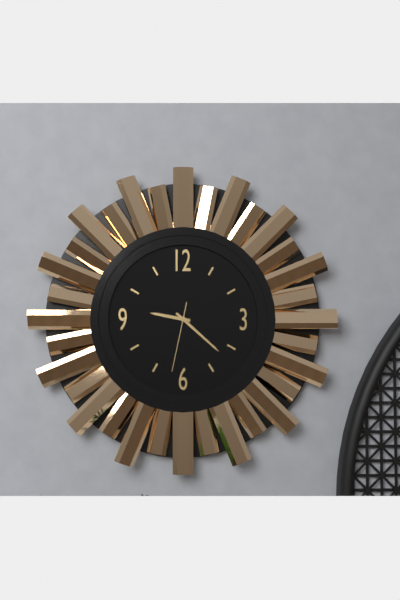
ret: 9:22:32
